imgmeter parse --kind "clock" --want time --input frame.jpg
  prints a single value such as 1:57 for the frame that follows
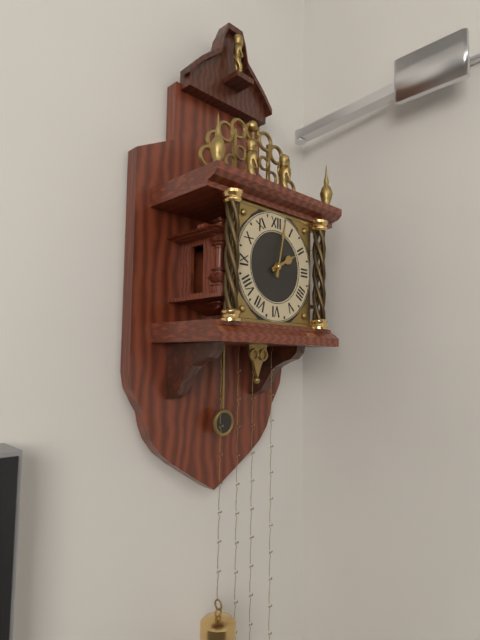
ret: 2:02
